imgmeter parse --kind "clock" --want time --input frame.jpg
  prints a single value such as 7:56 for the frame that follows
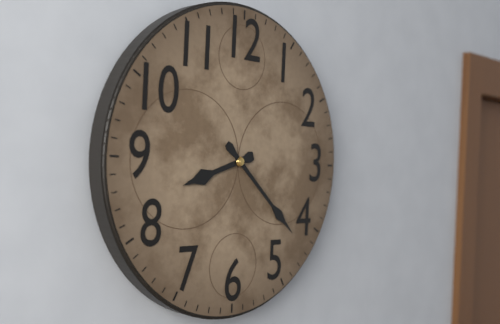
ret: 8:22
